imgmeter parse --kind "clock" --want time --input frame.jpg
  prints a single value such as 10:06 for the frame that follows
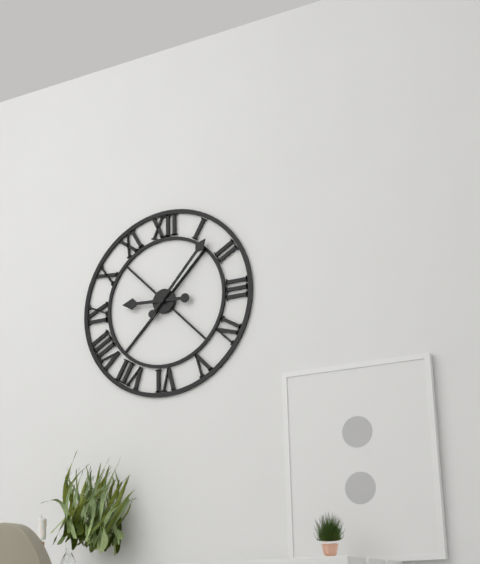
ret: 9:07
